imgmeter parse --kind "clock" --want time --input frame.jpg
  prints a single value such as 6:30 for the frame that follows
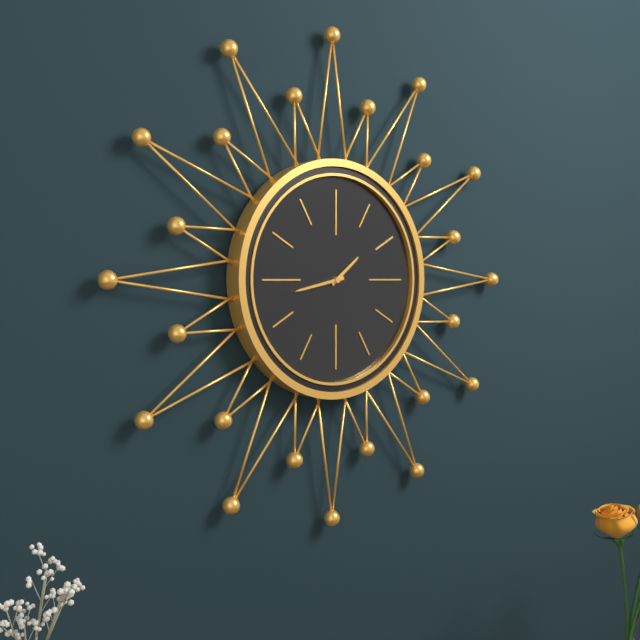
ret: 1:43
